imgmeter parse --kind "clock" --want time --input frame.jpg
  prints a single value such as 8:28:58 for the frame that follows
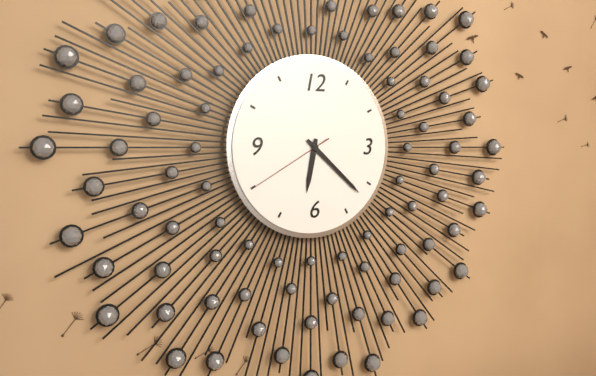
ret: 6:22:40
